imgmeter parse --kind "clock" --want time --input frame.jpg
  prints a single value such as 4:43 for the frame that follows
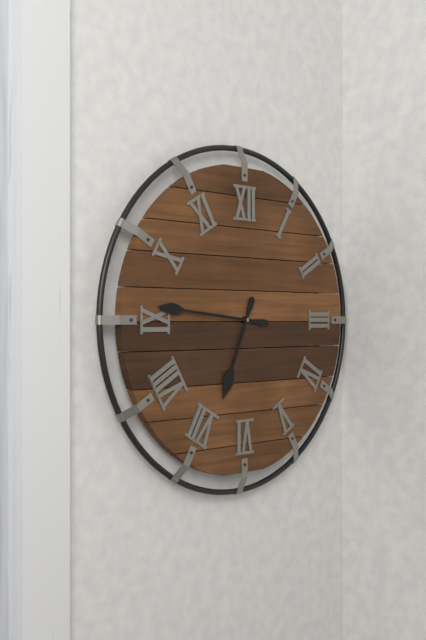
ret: 6:46
